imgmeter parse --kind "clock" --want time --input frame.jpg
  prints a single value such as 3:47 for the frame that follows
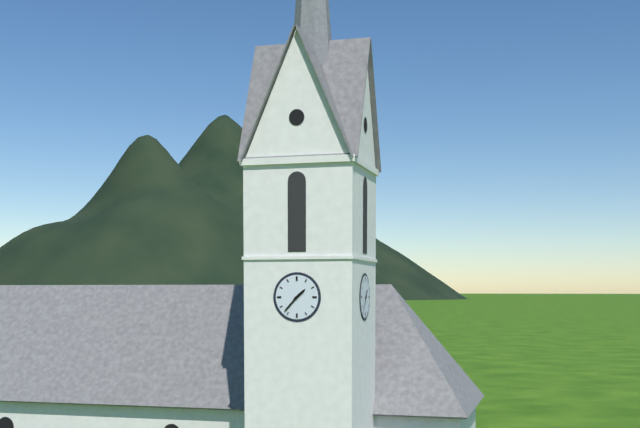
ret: 1:37
